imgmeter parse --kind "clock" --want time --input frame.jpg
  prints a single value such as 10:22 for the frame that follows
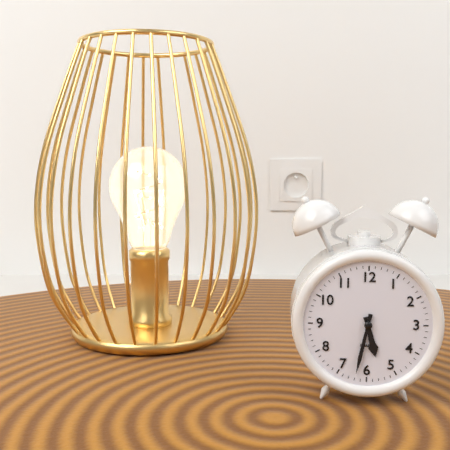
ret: 5:32
